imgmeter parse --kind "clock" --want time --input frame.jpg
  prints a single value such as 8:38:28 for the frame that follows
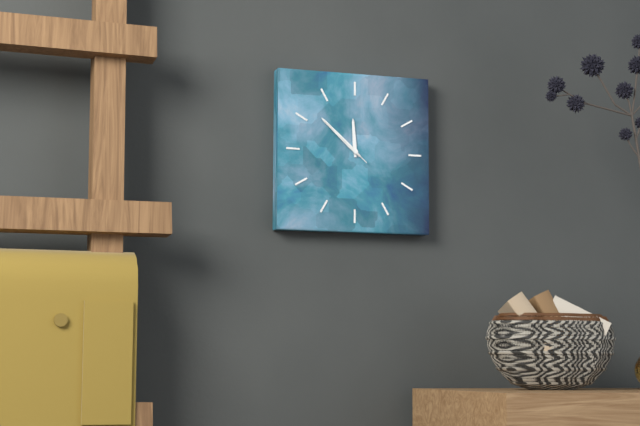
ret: 11:52:52
